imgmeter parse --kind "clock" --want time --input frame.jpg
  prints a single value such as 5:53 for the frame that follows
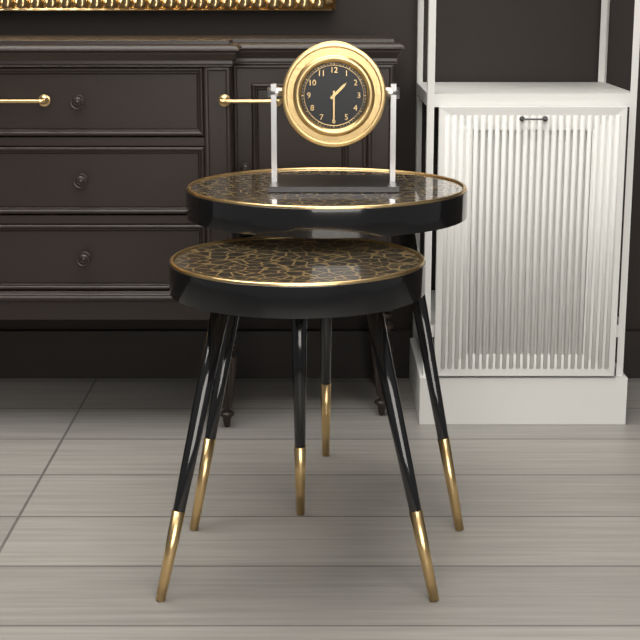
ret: 1:30
